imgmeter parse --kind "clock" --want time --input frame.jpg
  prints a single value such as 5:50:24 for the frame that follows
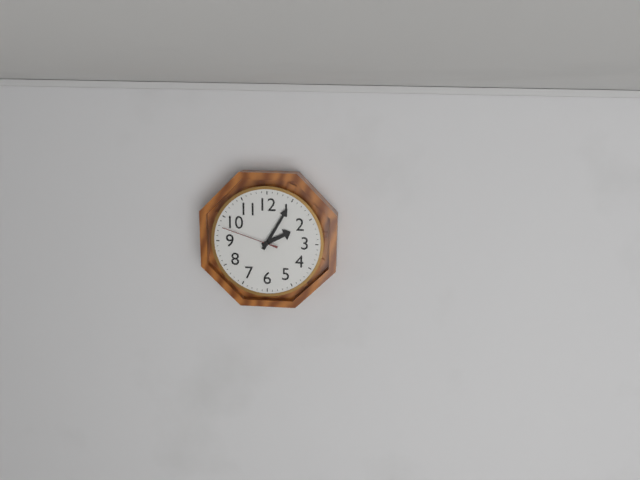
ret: 2:05:48
